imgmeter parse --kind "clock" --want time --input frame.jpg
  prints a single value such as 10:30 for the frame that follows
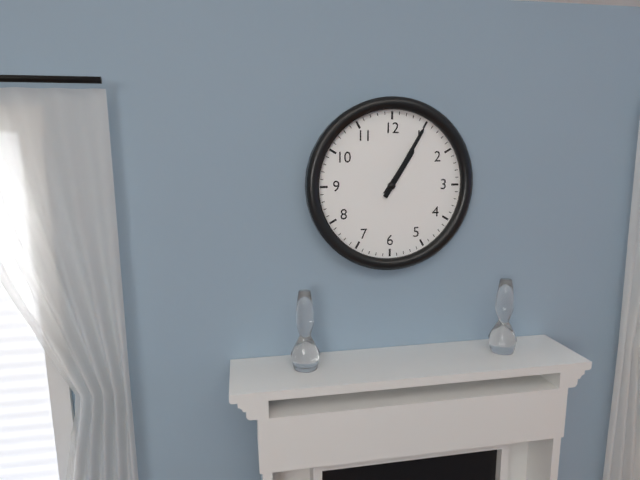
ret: 1:05
